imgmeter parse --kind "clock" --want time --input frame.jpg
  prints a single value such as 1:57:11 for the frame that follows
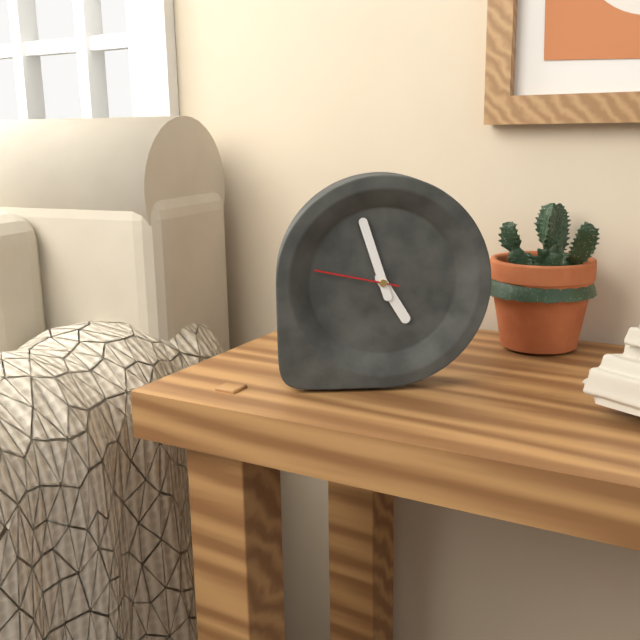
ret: 4:57:47
